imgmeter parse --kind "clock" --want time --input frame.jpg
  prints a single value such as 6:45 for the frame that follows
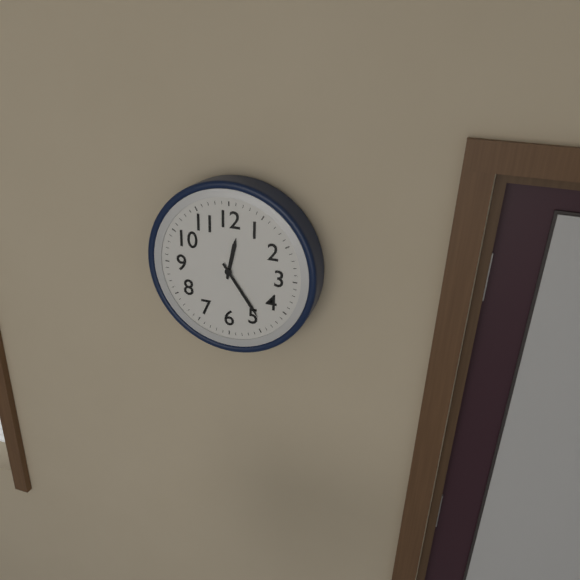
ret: 12:24
